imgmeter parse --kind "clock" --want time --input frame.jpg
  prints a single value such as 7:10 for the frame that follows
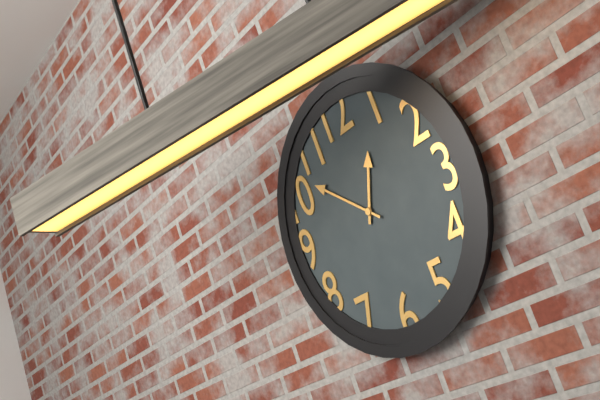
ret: 12:52
